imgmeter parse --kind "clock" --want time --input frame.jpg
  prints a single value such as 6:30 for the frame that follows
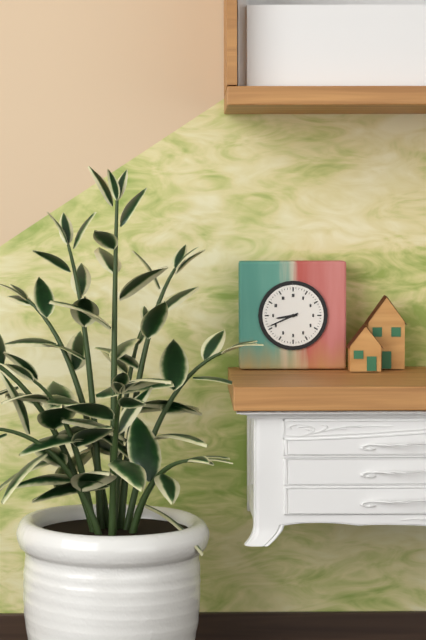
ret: 8:41
